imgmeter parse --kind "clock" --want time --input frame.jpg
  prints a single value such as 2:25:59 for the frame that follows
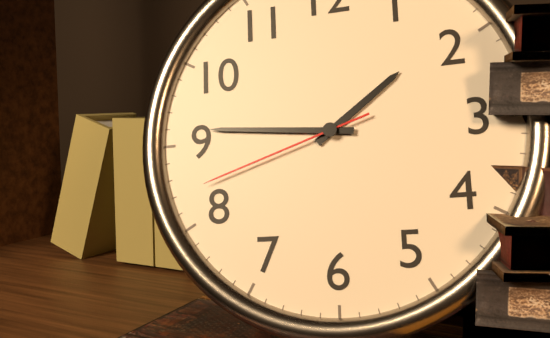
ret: 1:46:42
